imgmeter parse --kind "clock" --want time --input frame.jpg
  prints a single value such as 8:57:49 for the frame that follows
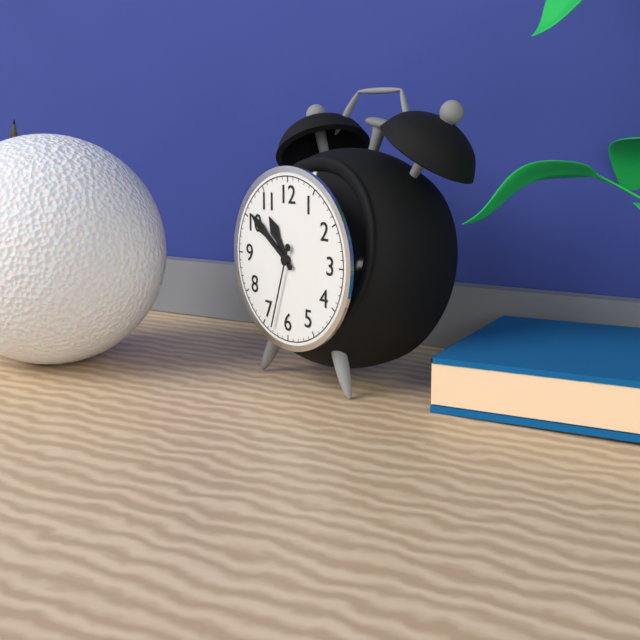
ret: 10:51:33
